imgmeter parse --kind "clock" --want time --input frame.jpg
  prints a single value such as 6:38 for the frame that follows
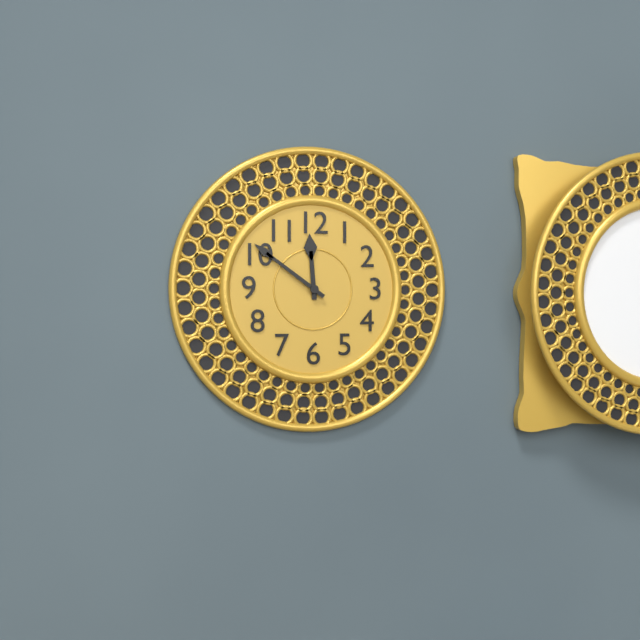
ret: 11:51
